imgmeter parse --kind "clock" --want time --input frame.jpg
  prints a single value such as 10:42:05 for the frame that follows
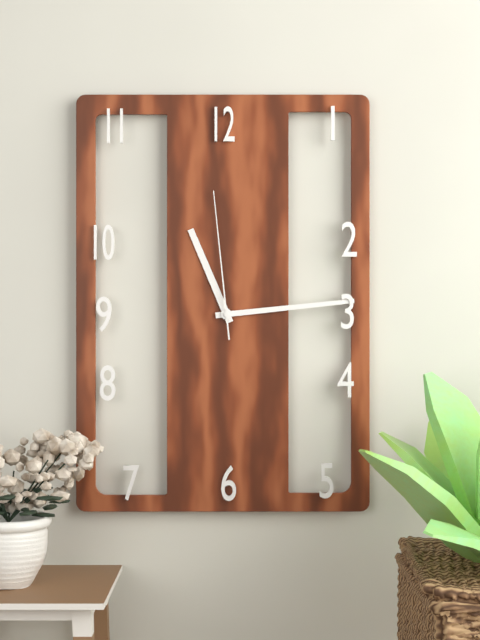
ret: 11:14:59
